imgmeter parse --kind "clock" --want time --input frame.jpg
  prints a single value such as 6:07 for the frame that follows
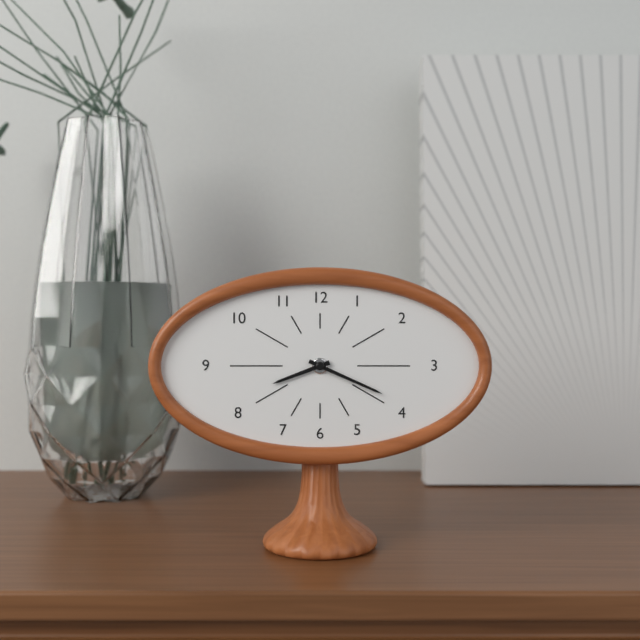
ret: 8:19
